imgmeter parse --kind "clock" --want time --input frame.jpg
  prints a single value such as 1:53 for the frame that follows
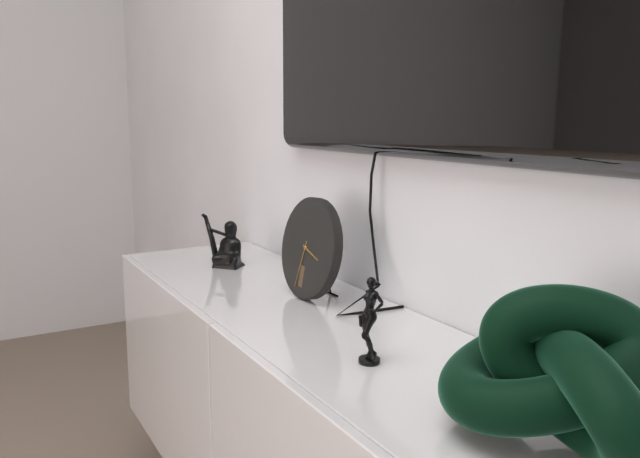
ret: 3:32
